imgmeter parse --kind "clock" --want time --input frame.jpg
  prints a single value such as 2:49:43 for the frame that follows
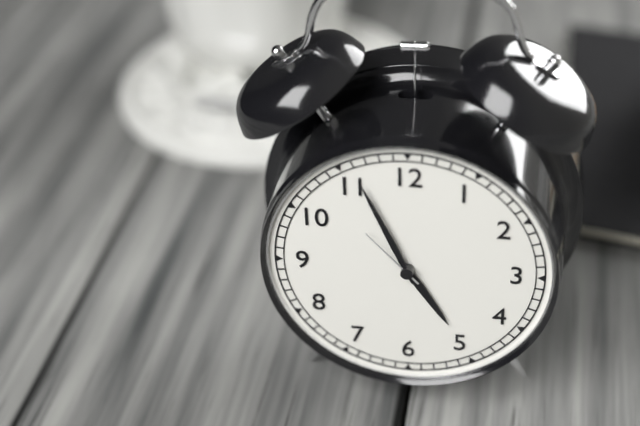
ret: 4:56:53
